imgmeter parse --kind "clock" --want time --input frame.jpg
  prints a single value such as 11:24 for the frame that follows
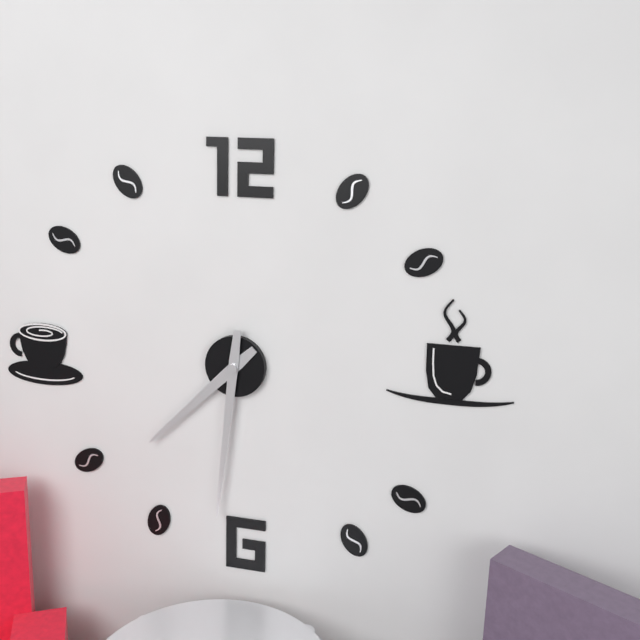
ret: 7:31
